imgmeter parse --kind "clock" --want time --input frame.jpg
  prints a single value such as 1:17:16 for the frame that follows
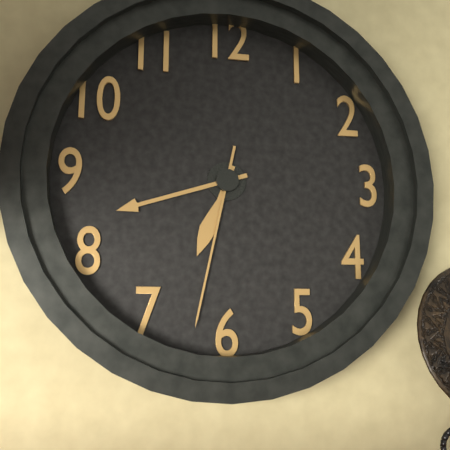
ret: 6:42:32
